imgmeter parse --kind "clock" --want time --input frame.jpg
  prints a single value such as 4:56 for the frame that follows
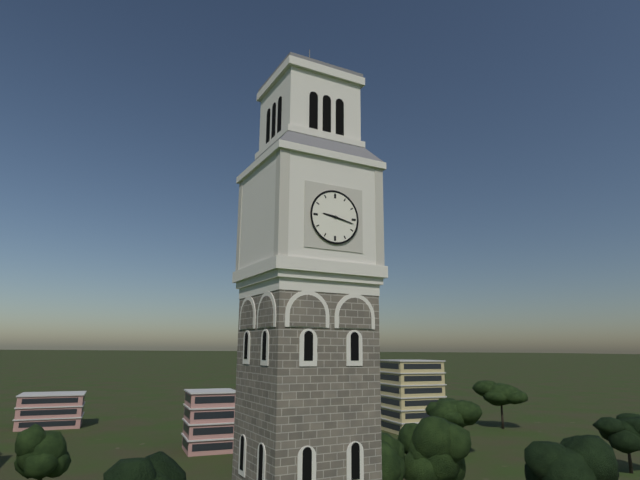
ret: 9:17
